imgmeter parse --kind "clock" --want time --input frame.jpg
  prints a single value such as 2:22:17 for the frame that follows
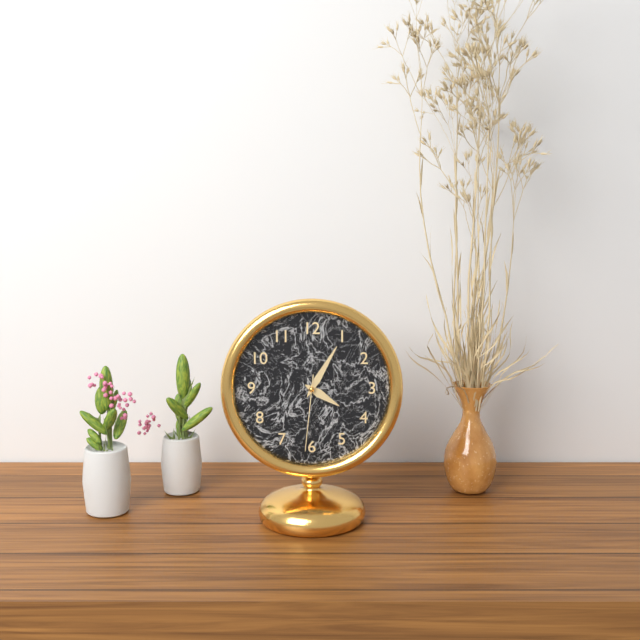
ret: 4:05:31
